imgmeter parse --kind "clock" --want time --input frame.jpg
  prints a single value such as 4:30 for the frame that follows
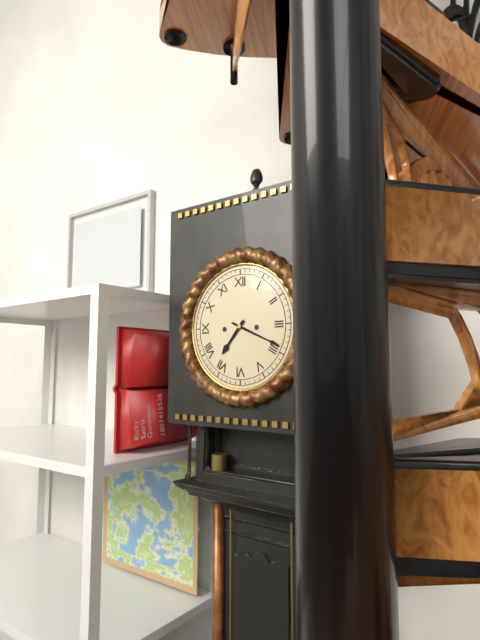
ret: 7:19
